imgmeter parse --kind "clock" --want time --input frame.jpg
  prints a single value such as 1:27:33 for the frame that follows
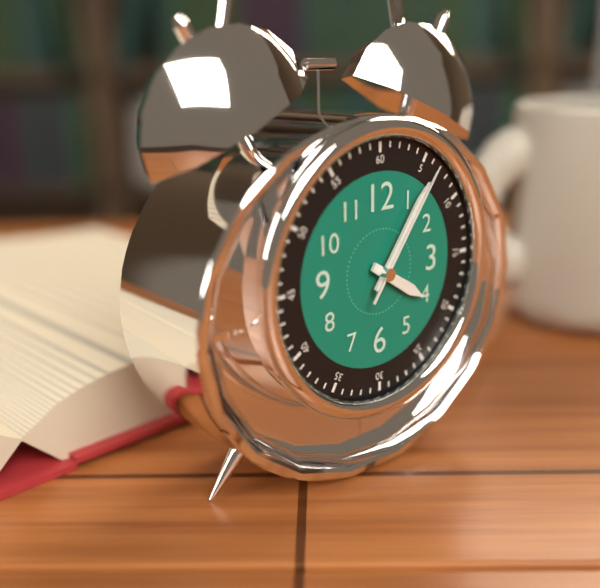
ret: 4:06:06
